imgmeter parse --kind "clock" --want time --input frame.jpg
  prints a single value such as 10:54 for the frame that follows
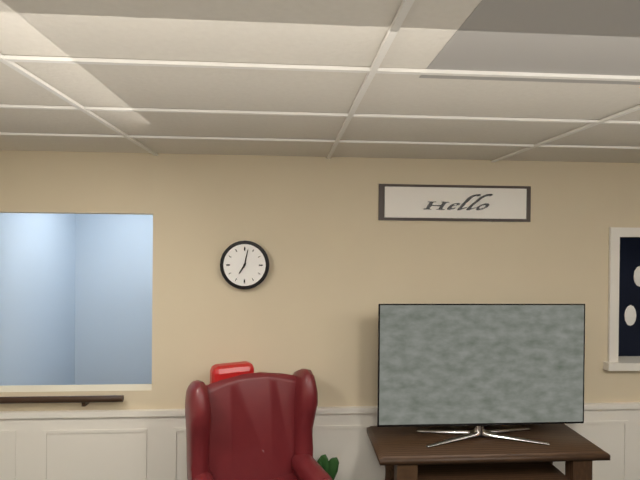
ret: 7:02
